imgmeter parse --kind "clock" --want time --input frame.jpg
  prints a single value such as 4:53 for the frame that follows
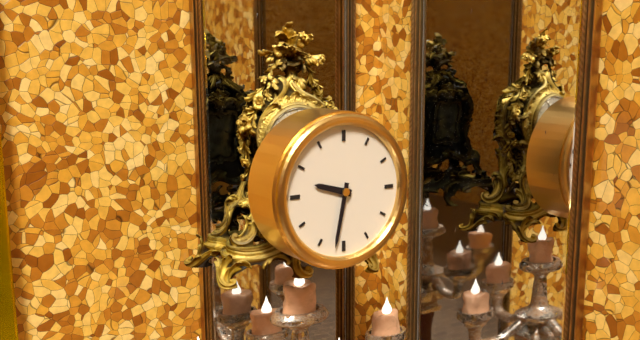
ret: 9:32
